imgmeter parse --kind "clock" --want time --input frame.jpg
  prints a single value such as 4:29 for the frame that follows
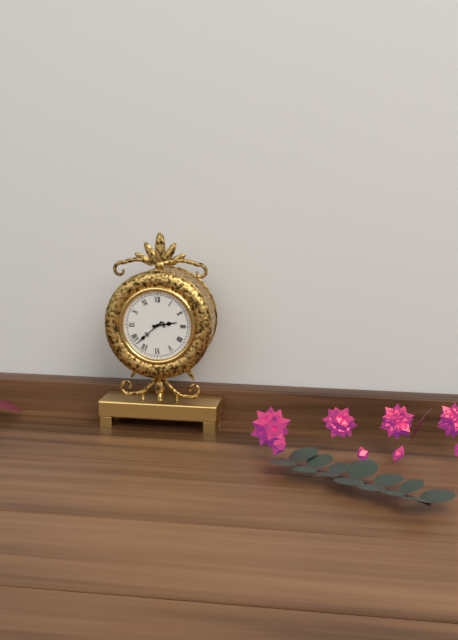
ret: 2:38
